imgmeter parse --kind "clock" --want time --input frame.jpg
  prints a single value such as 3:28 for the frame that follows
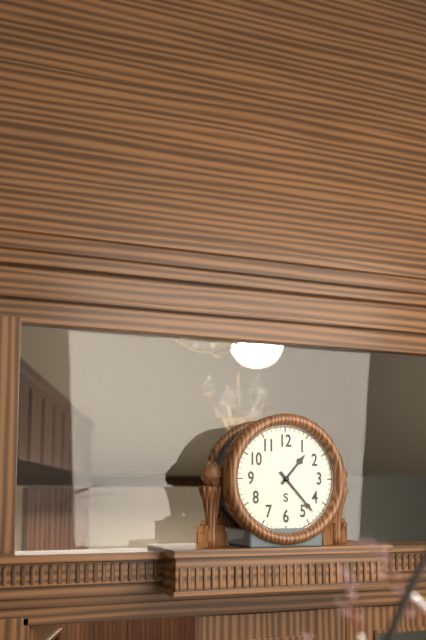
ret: 1:23
